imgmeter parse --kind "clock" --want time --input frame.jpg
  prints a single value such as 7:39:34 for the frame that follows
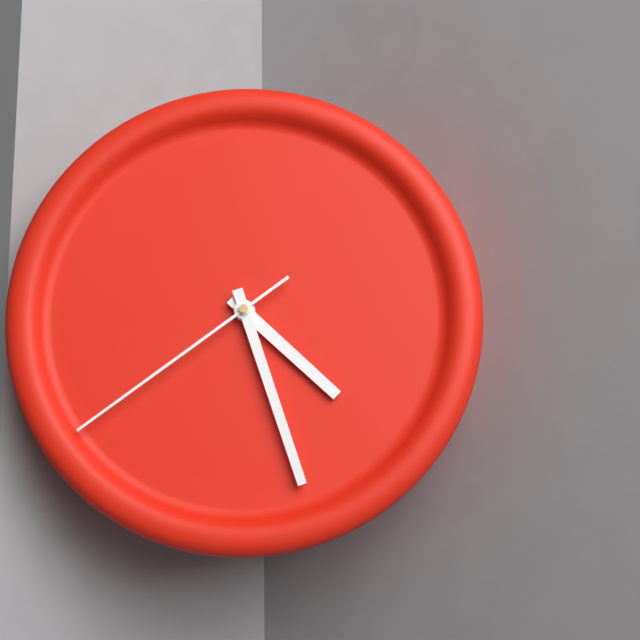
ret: 4:27:39
